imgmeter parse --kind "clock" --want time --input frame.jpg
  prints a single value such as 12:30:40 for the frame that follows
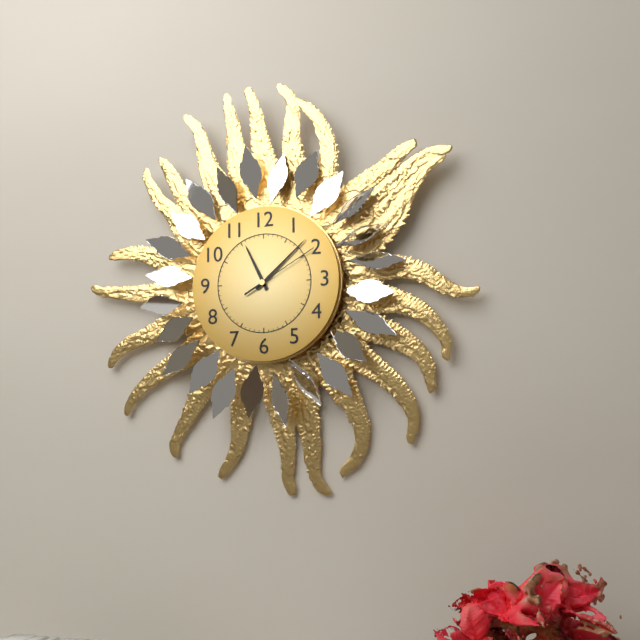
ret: 11:08:10
